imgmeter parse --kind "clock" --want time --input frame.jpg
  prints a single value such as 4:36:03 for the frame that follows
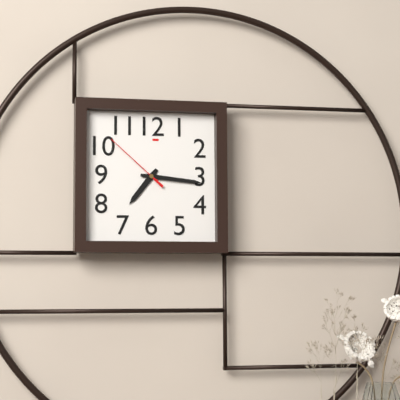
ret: 7:16:52
